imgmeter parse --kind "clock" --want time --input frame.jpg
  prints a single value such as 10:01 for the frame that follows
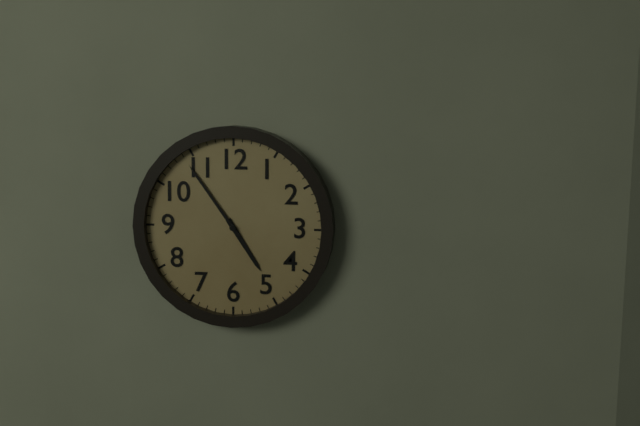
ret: 4:54
